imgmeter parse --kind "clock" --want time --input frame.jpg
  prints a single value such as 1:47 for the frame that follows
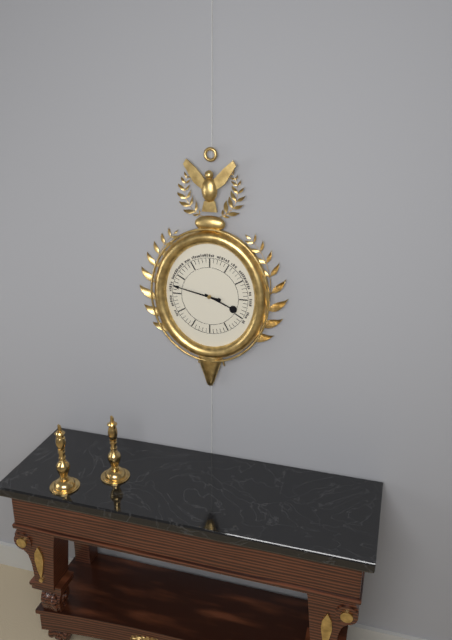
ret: 3:47
